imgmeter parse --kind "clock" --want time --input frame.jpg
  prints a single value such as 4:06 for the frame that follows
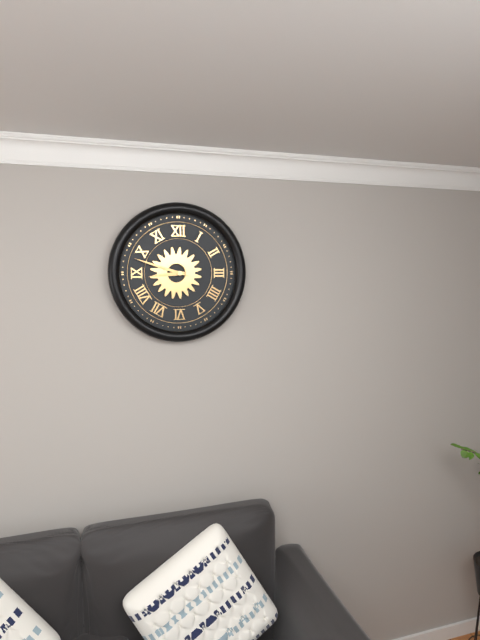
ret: 8:48
